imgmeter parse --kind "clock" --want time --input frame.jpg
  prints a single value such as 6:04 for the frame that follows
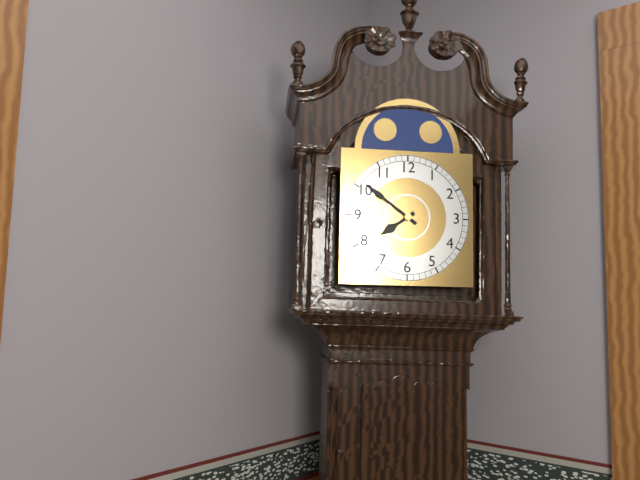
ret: 7:51
